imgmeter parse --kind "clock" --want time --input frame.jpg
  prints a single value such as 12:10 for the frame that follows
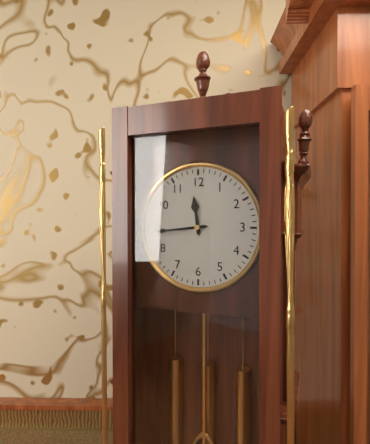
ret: 11:44
